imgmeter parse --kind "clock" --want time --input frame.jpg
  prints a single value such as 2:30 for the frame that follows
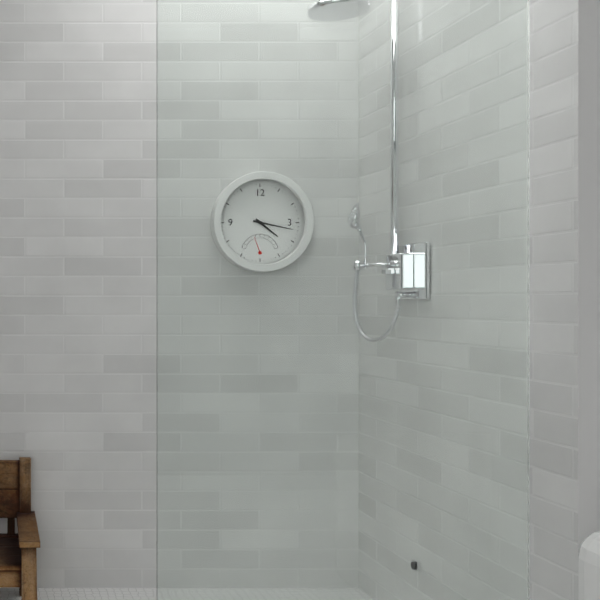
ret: 4:17
